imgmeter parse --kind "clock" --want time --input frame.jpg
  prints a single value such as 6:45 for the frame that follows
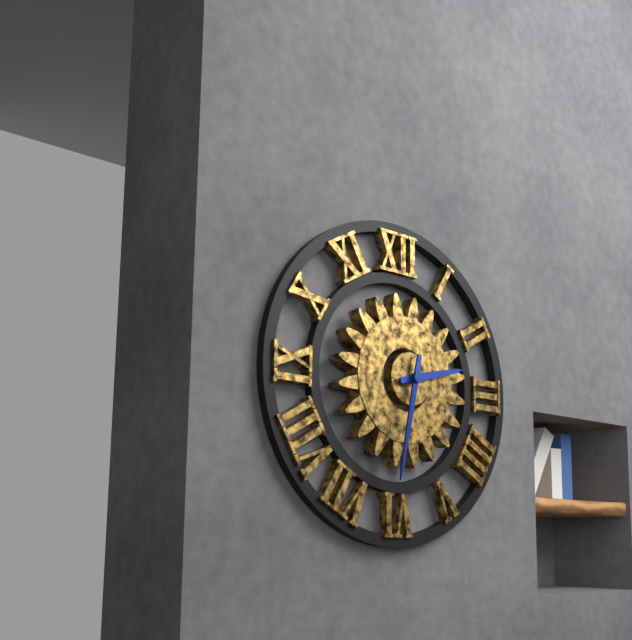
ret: 2:32
